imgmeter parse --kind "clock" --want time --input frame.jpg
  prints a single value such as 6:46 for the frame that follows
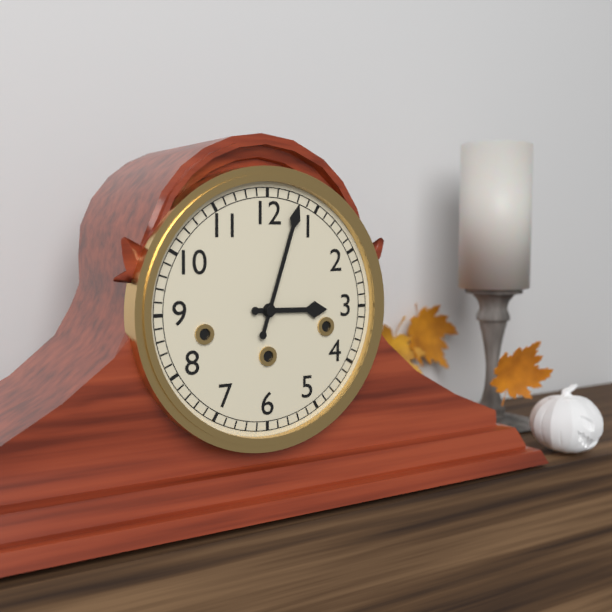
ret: 3:03
